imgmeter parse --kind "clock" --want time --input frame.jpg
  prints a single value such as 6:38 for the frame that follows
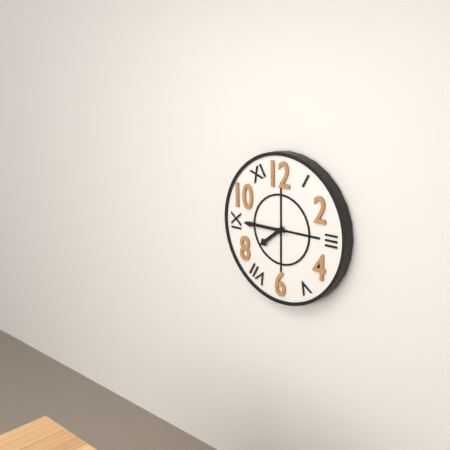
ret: 7:45
